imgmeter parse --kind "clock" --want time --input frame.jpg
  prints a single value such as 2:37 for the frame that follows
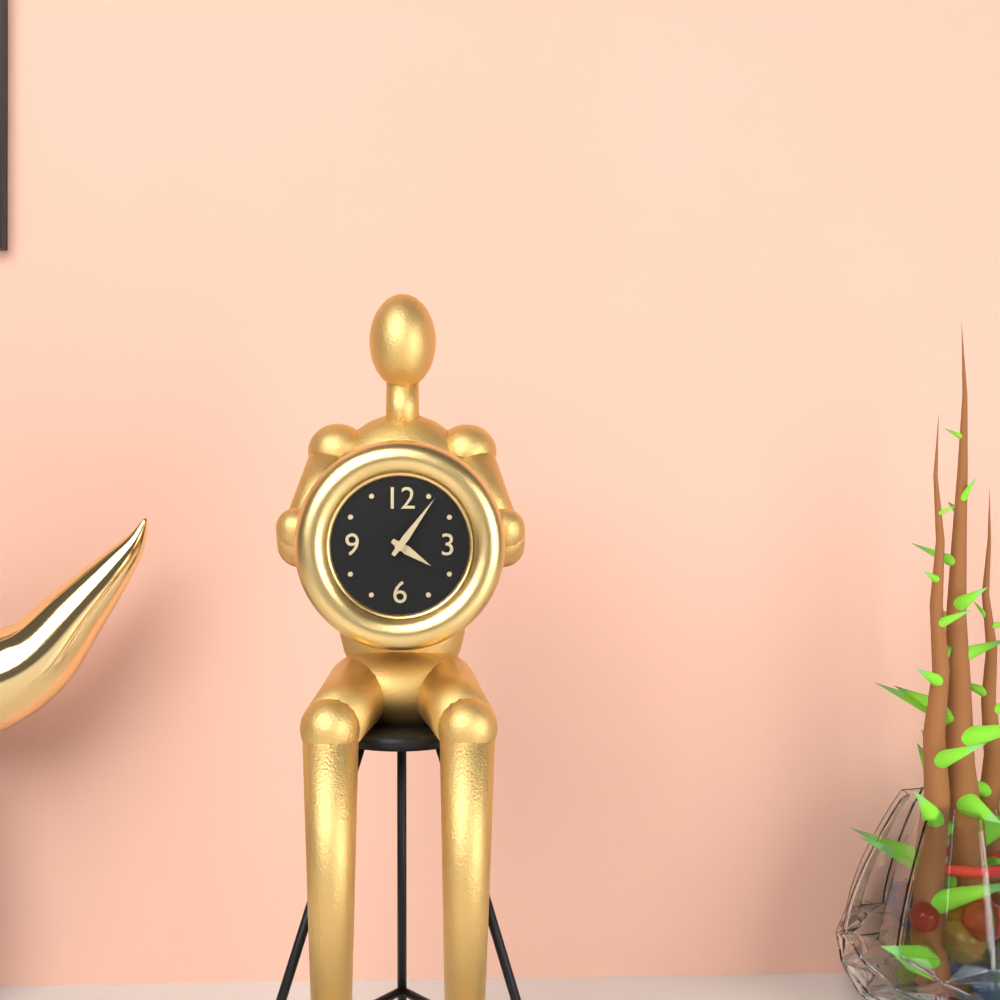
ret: 4:06
